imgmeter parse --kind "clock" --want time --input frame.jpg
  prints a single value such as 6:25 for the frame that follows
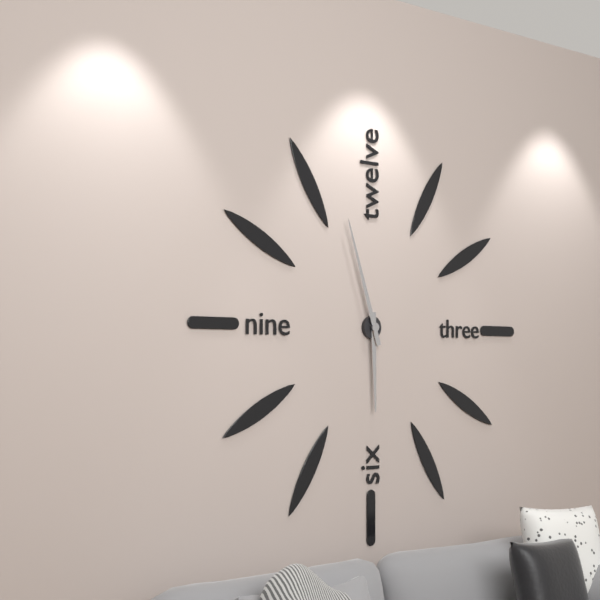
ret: 5:57
